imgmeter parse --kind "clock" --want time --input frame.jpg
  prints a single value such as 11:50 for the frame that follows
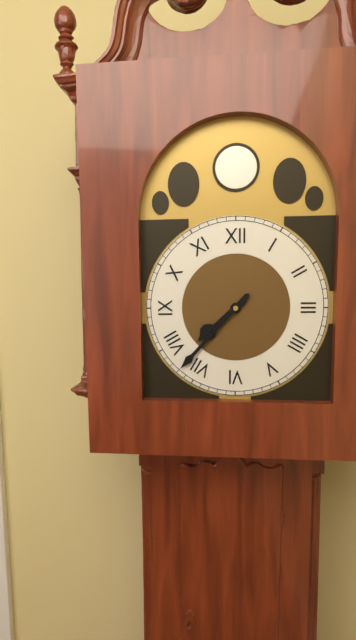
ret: 7:37
